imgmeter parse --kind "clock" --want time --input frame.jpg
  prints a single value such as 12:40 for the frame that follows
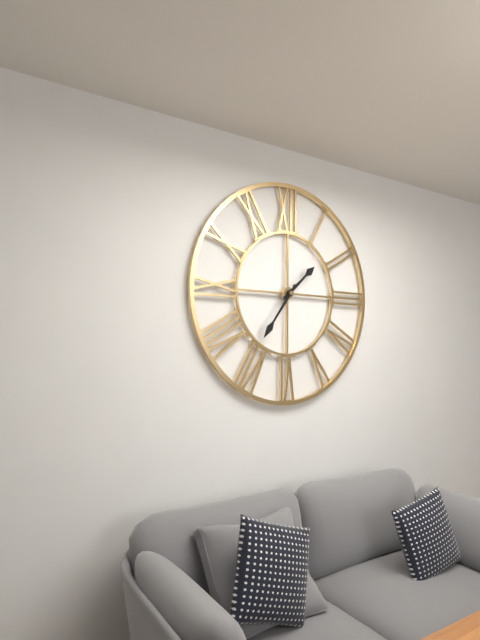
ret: 1:36
